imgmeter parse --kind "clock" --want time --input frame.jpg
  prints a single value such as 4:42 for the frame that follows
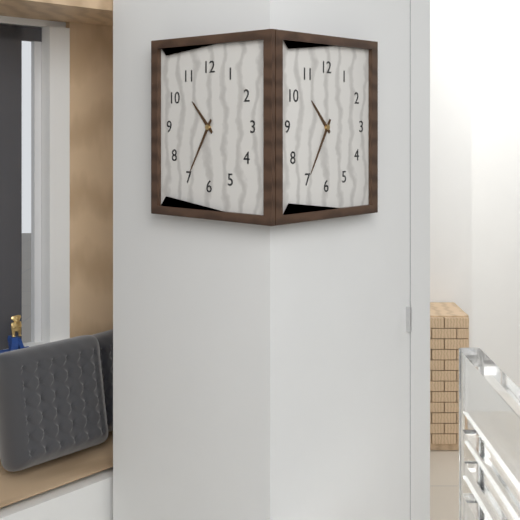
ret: 10:35
